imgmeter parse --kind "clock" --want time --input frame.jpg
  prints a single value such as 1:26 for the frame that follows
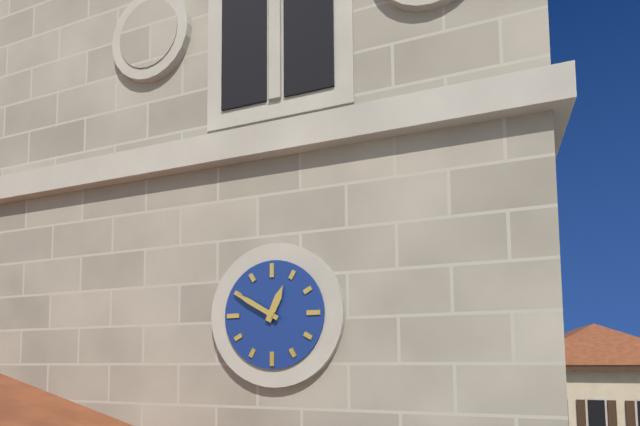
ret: 12:50
